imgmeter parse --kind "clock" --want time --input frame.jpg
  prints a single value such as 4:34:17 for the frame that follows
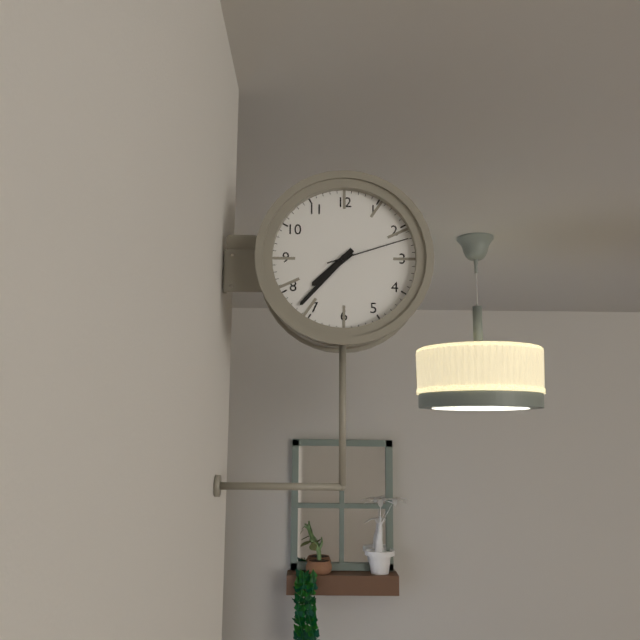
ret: 7:37:12
